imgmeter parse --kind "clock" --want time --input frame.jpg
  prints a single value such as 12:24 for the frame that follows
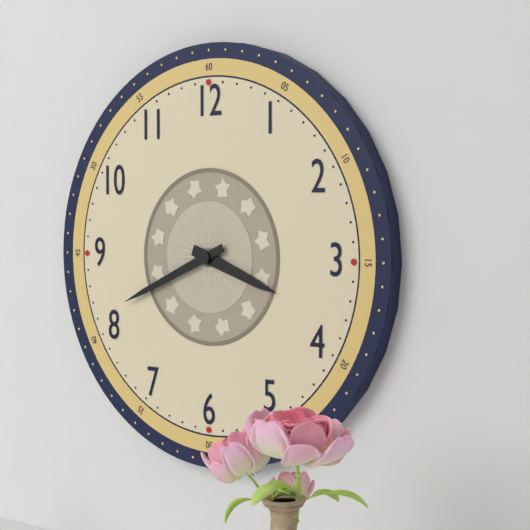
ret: 3:41
